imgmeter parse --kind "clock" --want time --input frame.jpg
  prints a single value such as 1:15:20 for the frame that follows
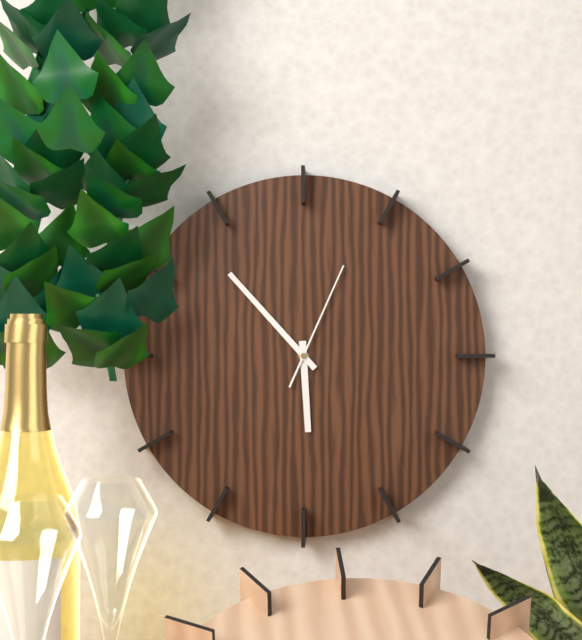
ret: 5:53:04
